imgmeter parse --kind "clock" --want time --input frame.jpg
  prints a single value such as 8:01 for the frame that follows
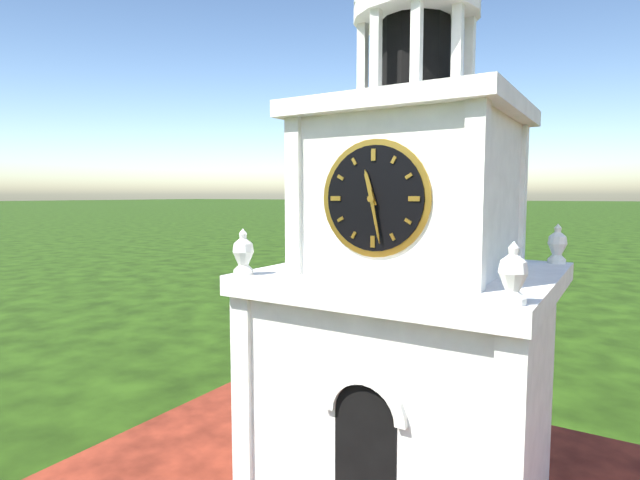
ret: 11:28
